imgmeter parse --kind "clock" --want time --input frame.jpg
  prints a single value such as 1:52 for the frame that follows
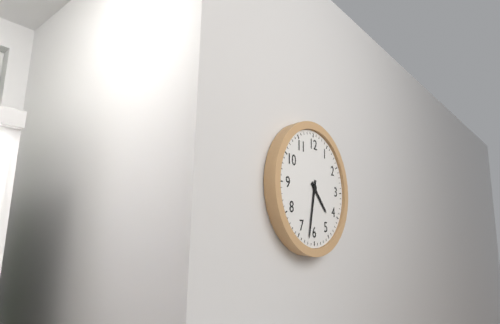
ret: 4:32
